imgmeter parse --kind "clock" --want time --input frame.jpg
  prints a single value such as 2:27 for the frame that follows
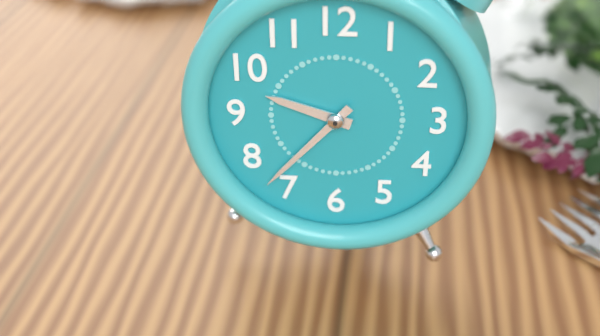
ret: 9:37
